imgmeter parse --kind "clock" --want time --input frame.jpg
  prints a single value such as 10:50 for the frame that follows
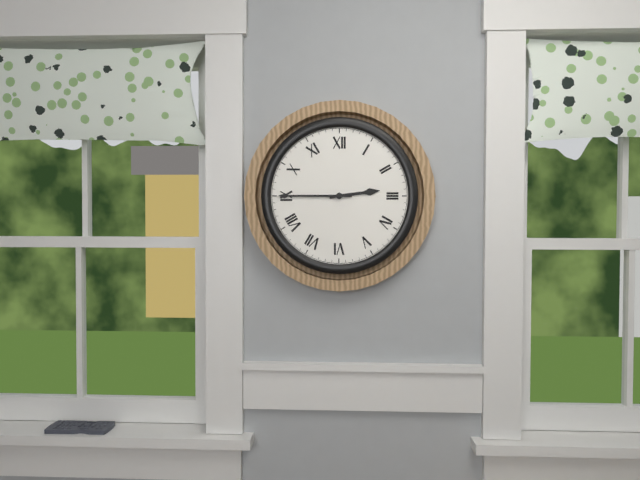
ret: 2:45
